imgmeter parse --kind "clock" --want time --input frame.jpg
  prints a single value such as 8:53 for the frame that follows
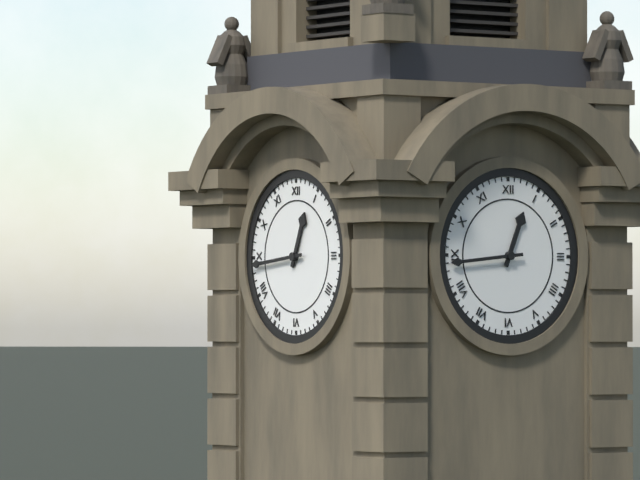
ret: 12:44
